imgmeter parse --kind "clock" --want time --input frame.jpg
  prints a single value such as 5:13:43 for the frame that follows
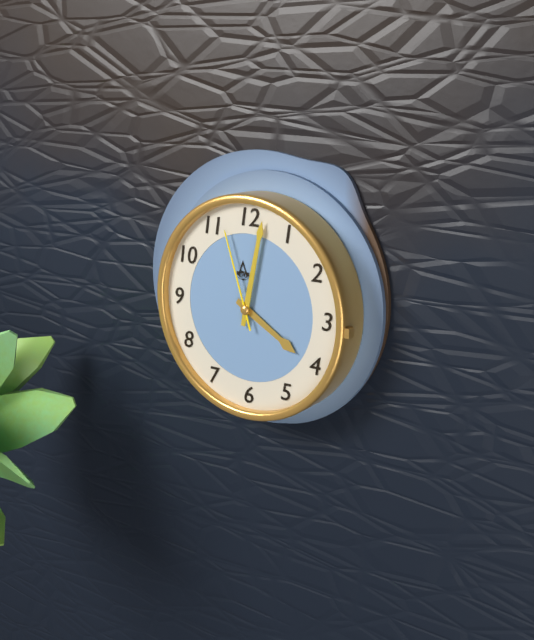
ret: 4:02:57
